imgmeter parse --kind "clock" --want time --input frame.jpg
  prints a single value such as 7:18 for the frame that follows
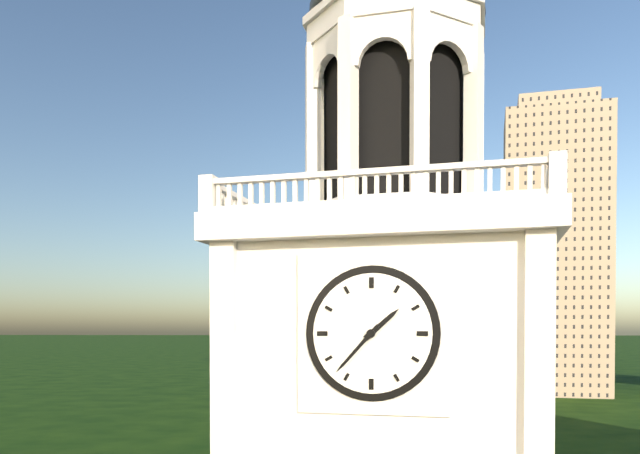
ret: 1:37
